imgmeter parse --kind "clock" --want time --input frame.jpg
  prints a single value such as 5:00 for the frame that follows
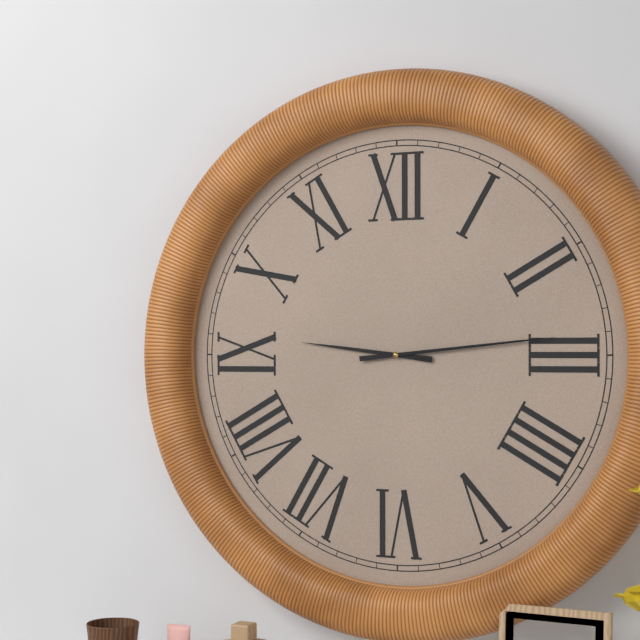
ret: 9:14
